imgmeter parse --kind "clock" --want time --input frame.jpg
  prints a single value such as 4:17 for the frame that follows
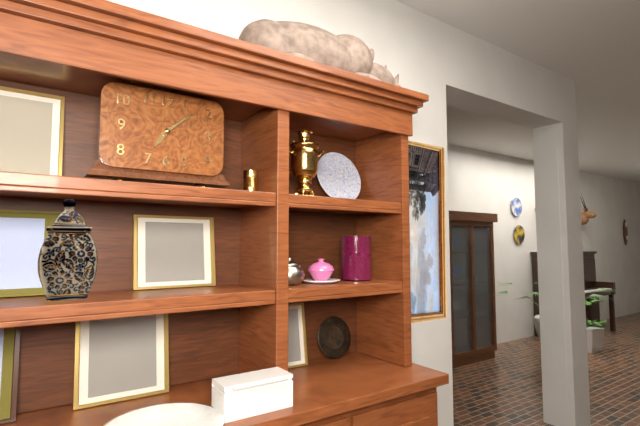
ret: 7:08
